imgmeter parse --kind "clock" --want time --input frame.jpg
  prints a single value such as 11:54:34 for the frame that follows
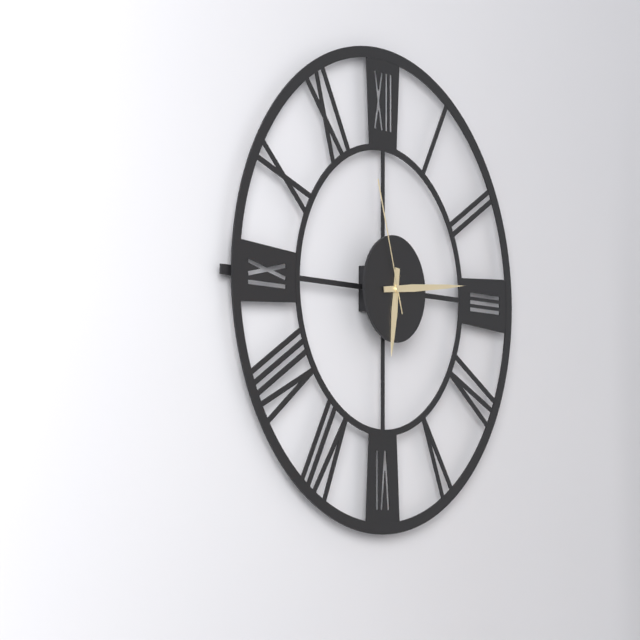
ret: 6:14:57
